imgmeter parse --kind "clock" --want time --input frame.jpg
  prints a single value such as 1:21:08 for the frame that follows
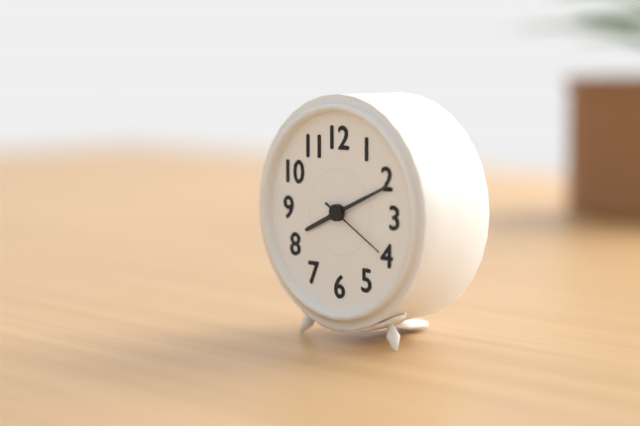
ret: 8:11:20
